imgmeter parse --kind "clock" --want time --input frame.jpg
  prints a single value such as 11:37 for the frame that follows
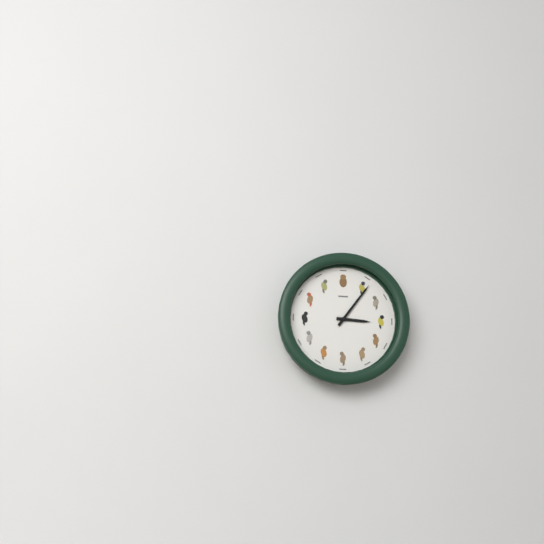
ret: 3:06
